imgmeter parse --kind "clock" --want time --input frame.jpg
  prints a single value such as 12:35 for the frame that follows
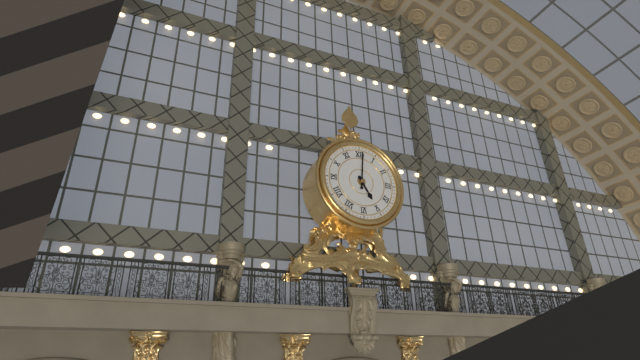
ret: 5:01
